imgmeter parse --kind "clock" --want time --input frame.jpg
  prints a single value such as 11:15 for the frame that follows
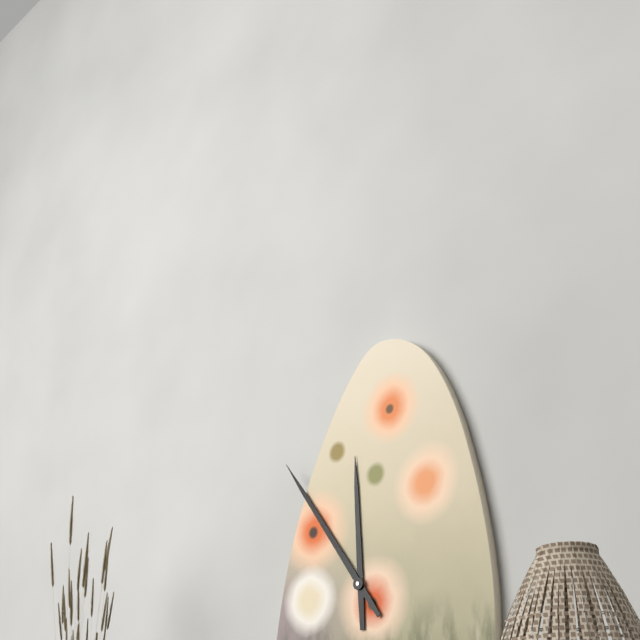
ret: 11:54
